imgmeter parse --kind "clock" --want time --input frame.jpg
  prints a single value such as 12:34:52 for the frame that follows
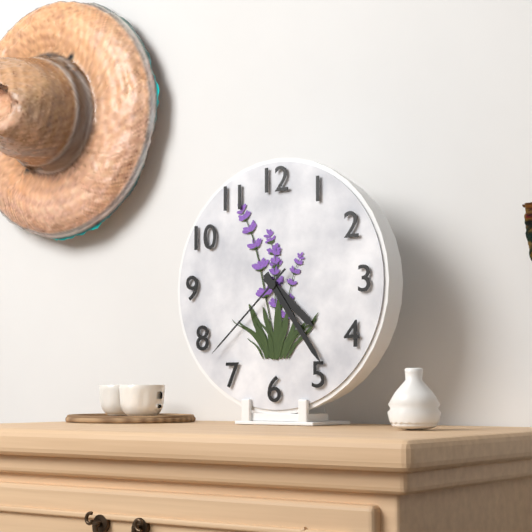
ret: 4:24:38
